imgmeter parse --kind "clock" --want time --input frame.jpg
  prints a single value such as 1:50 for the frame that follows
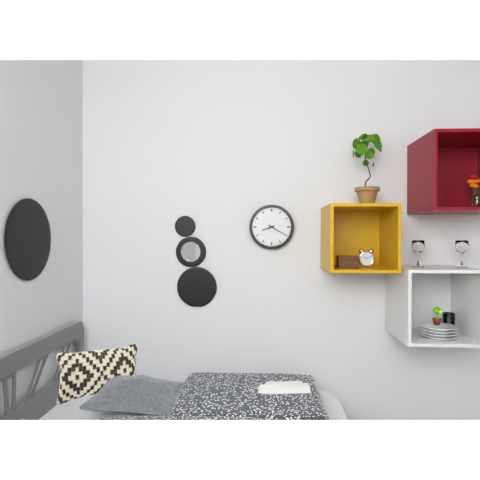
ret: 8:20
